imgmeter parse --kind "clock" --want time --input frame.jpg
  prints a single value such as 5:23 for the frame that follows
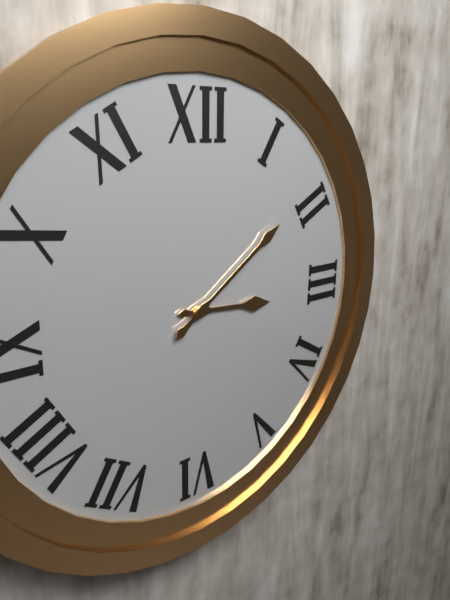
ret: 3:09
